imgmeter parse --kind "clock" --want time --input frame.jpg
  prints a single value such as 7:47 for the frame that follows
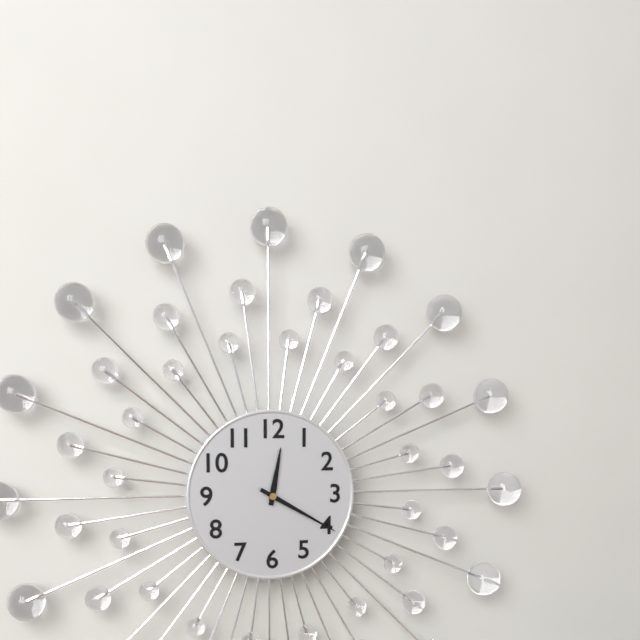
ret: 12:20
